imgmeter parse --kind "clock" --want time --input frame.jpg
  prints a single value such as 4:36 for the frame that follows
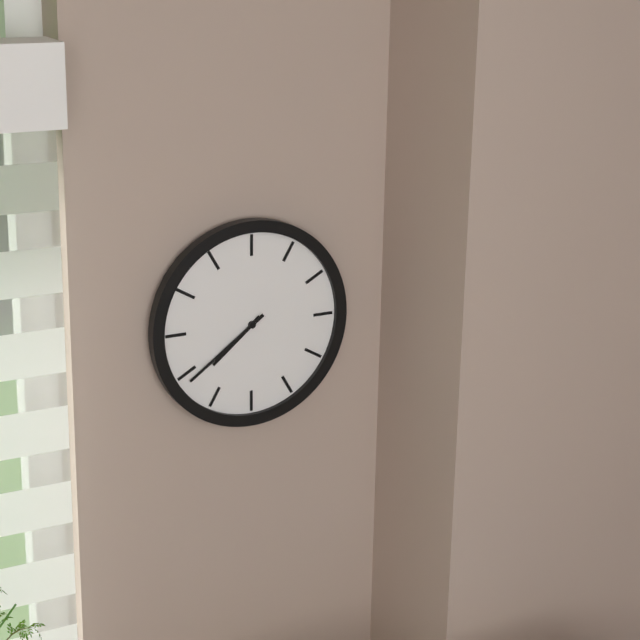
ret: 7:39
